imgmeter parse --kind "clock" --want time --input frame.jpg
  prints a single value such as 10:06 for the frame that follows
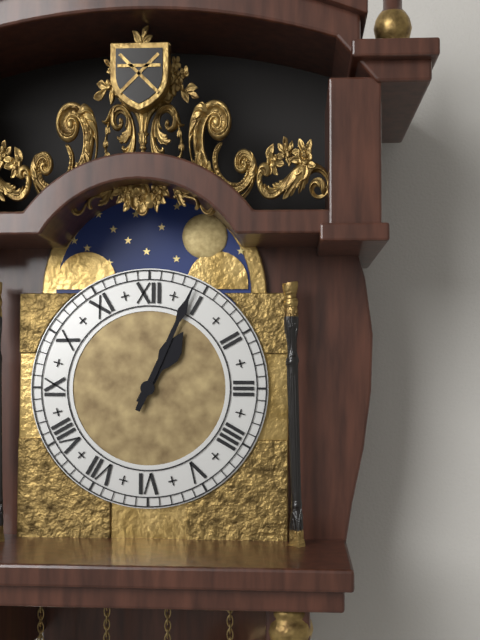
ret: 1:04
